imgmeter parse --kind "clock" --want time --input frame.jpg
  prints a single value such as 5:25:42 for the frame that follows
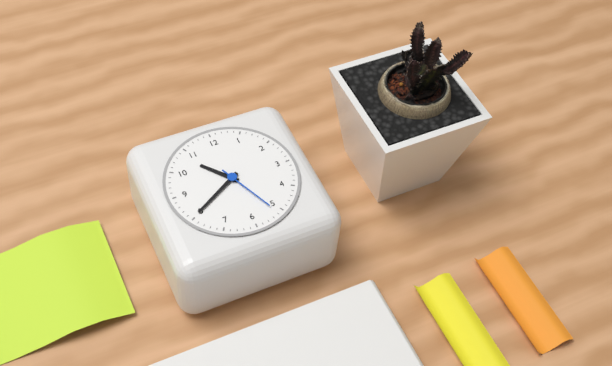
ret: 10:40:26
